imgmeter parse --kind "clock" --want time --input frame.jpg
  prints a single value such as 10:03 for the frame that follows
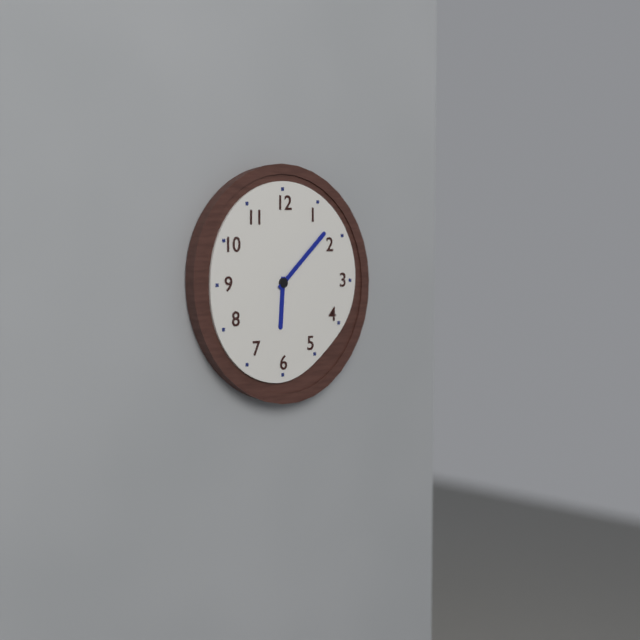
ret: 6:08
